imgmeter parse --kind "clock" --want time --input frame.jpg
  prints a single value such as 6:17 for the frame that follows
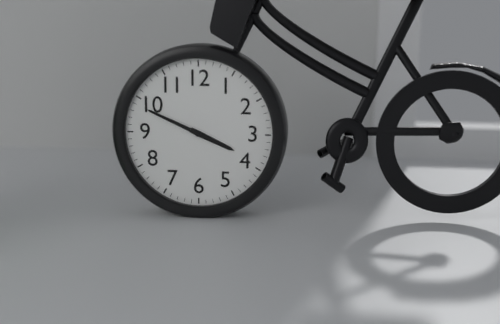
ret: 3:49
